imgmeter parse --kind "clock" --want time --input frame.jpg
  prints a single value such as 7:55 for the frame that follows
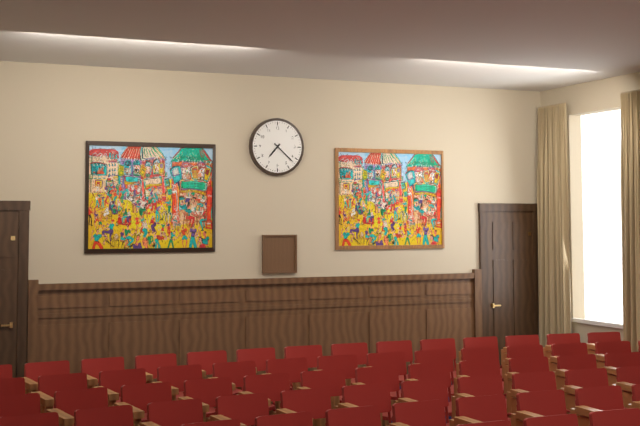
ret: 7:22
